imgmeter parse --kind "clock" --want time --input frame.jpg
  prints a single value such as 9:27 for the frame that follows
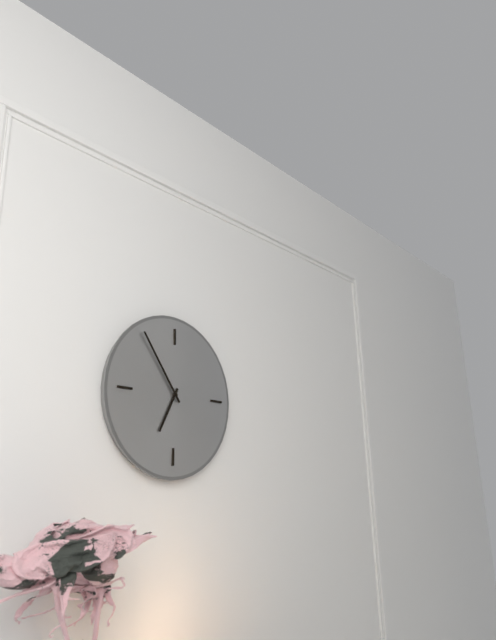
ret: 6:54
